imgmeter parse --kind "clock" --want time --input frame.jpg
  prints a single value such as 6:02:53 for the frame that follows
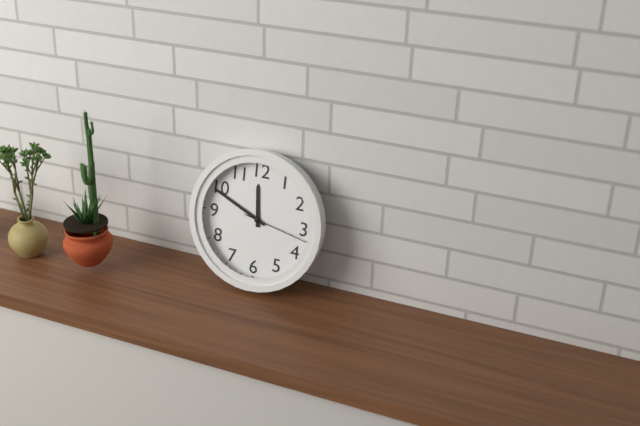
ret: 11:49:17
